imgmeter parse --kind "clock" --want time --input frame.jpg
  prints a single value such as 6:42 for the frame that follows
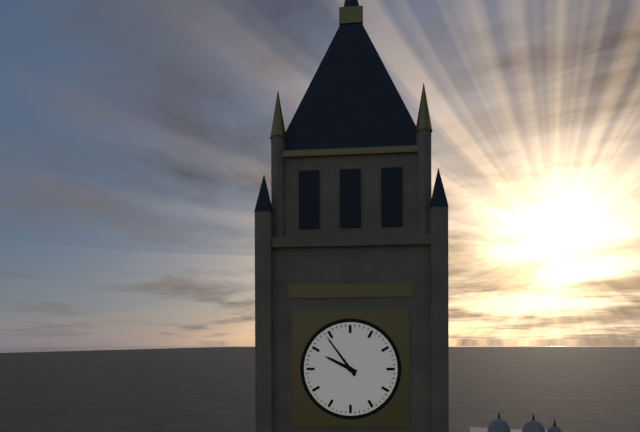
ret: 9:54
